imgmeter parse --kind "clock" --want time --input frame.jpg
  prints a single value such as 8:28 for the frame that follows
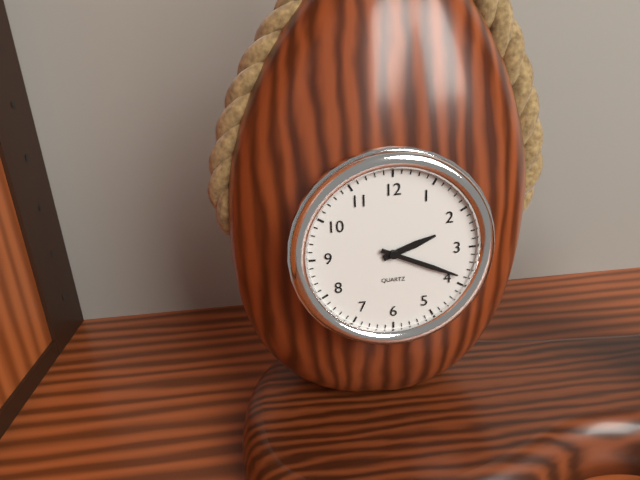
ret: 2:19
